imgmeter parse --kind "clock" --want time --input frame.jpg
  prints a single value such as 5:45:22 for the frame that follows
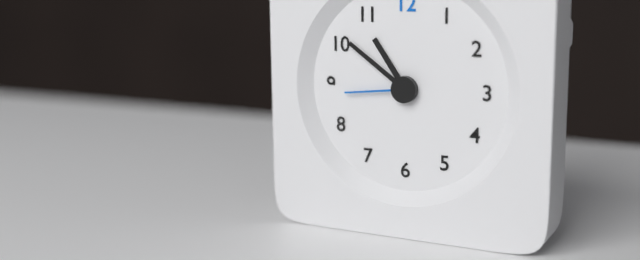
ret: 10:51:44
